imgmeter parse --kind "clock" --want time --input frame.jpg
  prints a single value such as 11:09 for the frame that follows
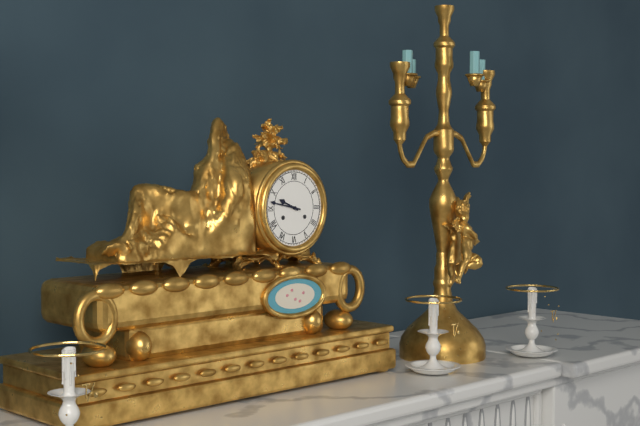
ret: 9:47
